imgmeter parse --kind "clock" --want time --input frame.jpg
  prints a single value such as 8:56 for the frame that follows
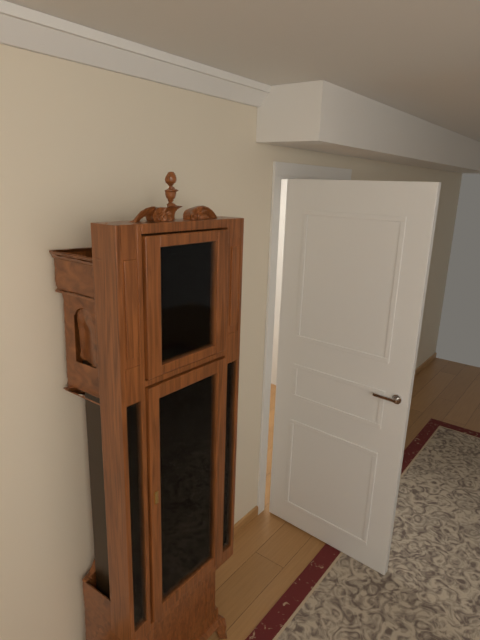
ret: 10:28
